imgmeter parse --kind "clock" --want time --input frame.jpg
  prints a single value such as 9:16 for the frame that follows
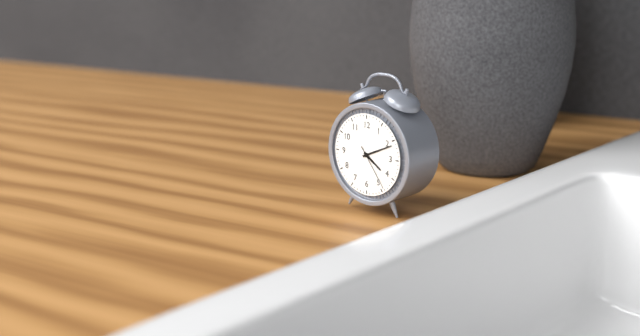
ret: 4:11
